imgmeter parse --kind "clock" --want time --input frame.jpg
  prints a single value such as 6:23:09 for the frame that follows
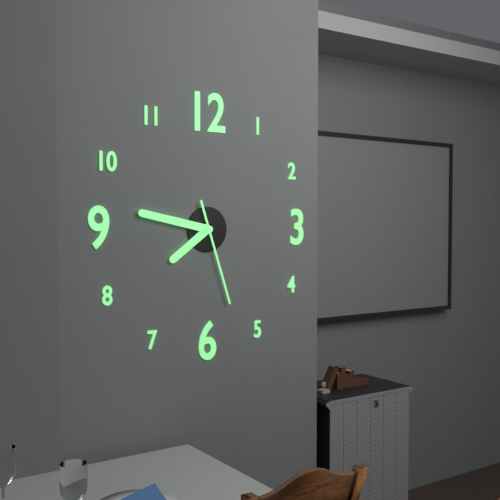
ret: 7:47:27
